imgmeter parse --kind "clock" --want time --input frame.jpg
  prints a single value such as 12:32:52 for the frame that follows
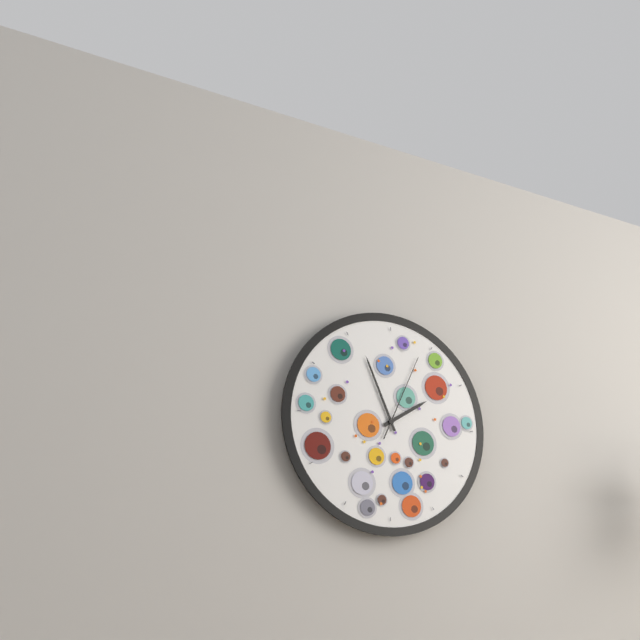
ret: 1:56:04
